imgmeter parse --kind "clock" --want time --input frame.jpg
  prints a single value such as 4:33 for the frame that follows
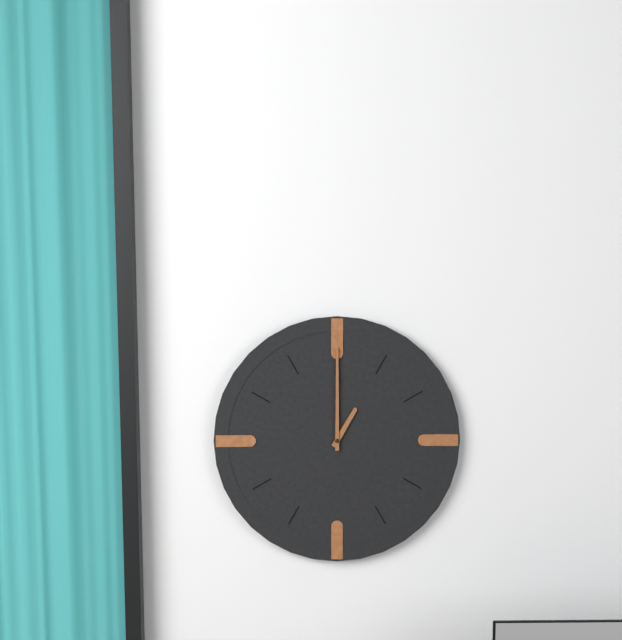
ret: 1:00
